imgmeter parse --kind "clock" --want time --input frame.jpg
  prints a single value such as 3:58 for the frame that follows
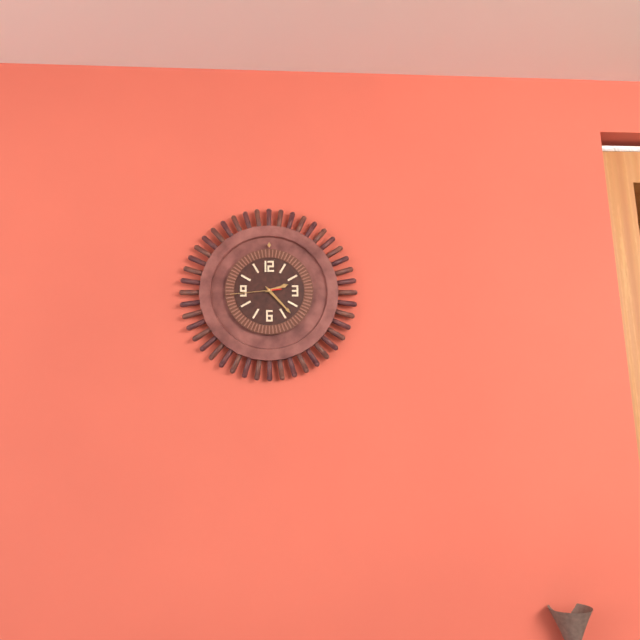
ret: 2:23
